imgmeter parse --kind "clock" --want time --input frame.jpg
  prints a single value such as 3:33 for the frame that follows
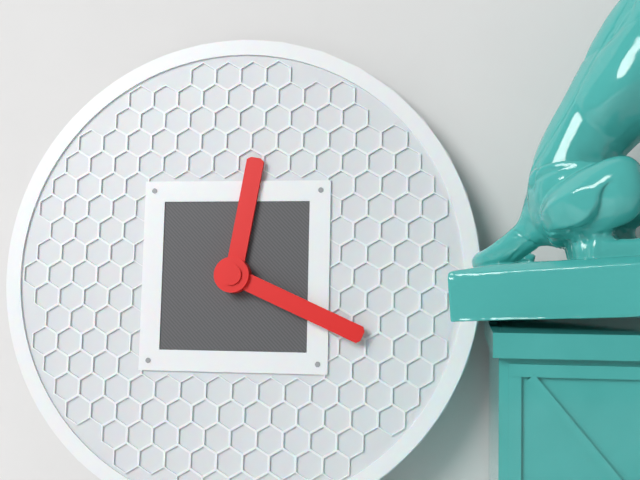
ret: 12:19
